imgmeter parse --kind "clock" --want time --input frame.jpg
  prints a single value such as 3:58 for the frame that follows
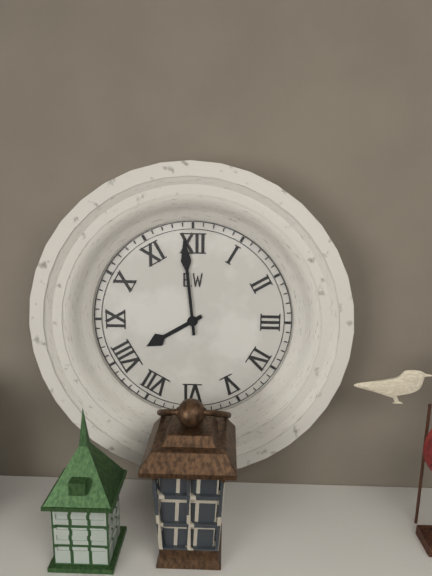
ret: 7:59
